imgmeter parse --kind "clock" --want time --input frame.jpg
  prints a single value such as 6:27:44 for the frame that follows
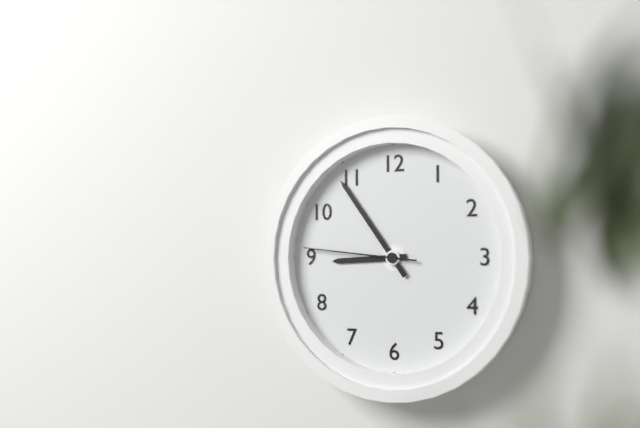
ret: 8:54:46
